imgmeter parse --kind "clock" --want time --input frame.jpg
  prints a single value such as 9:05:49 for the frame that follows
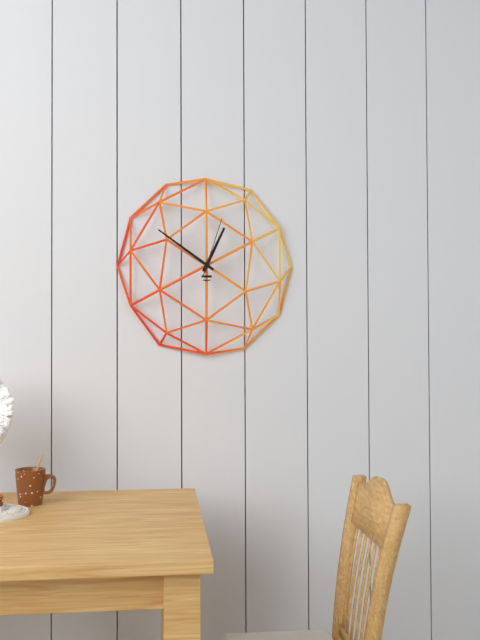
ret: 12:51:03
